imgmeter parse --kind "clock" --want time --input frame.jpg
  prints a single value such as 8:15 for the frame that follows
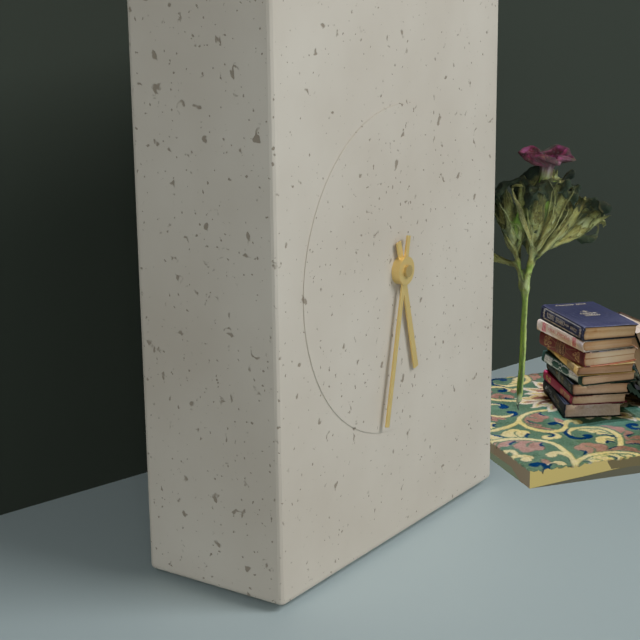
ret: 5:32
